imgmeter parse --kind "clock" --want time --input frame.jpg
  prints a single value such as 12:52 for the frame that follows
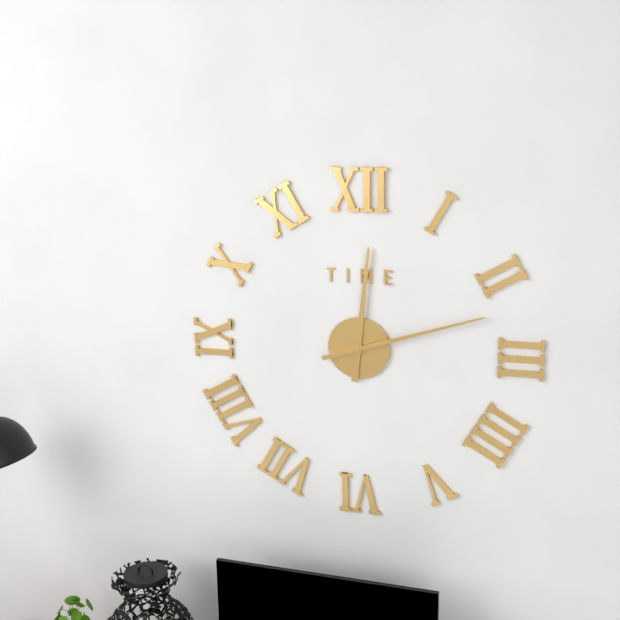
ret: 12:12
